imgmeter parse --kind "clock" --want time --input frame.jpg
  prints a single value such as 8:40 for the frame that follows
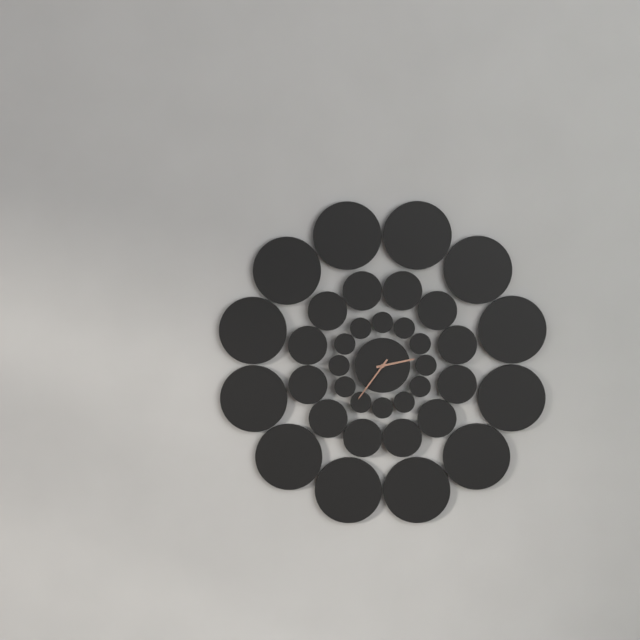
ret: 2:36
